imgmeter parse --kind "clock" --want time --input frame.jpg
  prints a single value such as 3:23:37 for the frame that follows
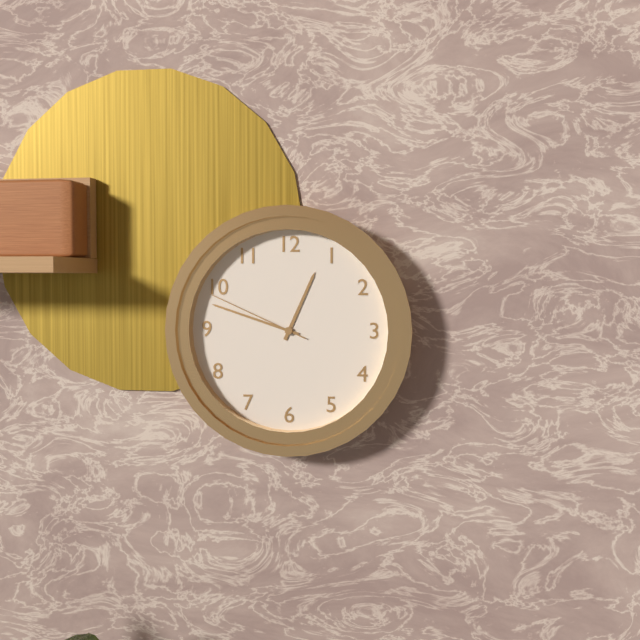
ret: 12:48:49
